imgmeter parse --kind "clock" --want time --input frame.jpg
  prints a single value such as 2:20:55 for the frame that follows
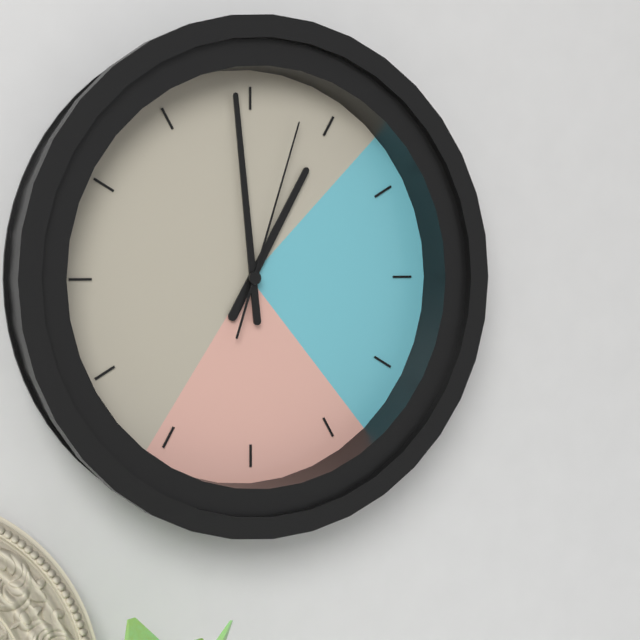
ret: 12:59:03
